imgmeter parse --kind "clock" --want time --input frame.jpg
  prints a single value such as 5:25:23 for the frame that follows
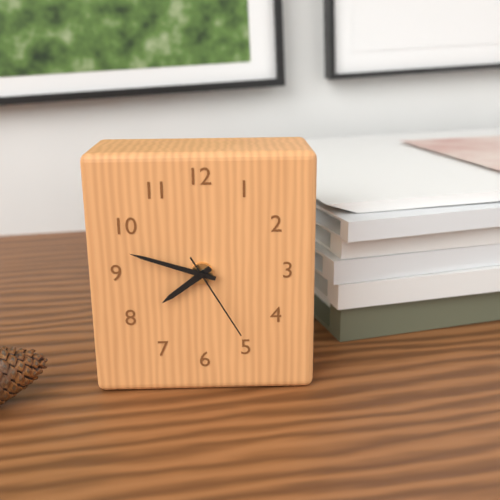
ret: 7:48:25
